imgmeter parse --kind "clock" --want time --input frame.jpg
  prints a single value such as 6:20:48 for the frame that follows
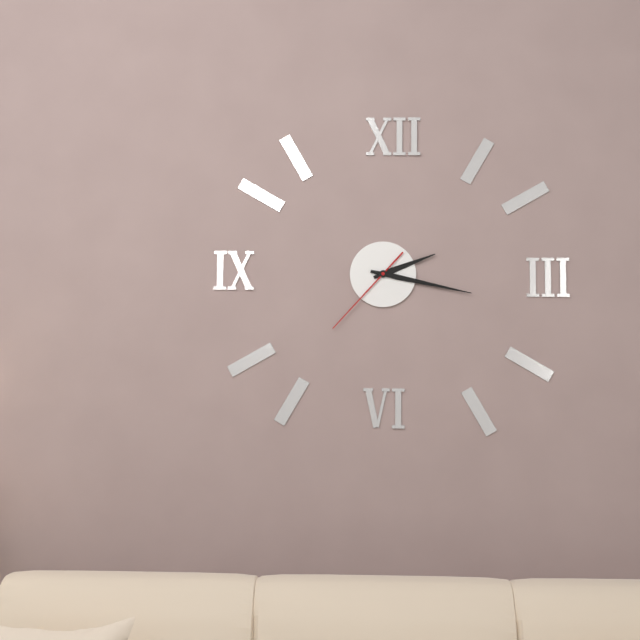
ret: 2:17:37
